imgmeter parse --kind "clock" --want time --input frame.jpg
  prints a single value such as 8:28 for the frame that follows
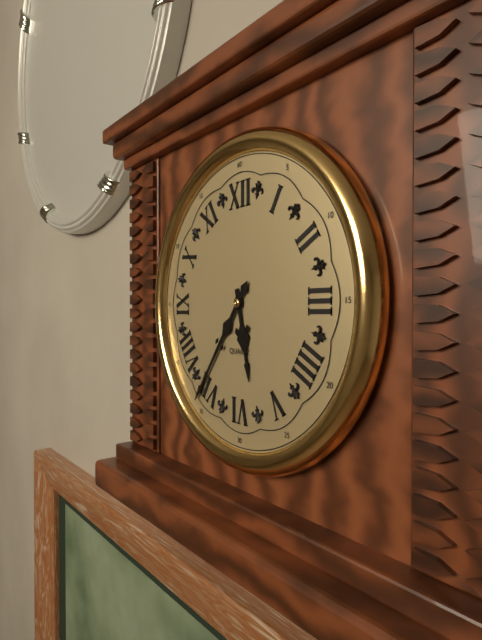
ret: 5:36
